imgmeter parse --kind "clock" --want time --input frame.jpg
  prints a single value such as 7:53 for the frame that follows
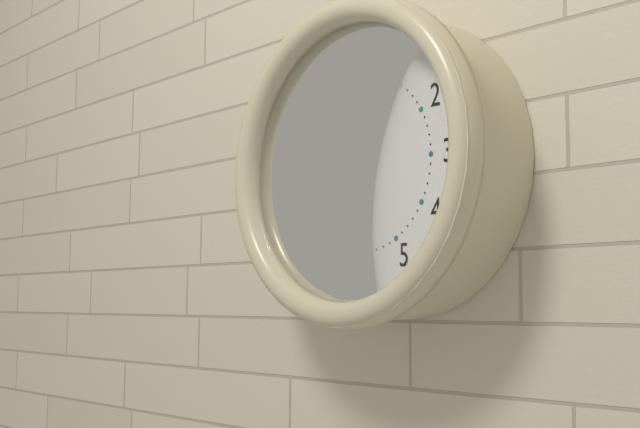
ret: 9:55
